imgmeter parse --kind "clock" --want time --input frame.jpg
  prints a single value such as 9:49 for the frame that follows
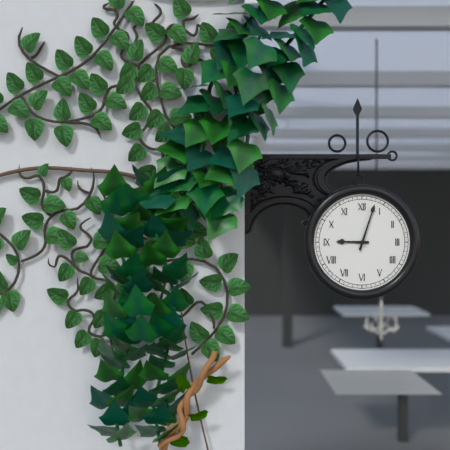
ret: 9:03
